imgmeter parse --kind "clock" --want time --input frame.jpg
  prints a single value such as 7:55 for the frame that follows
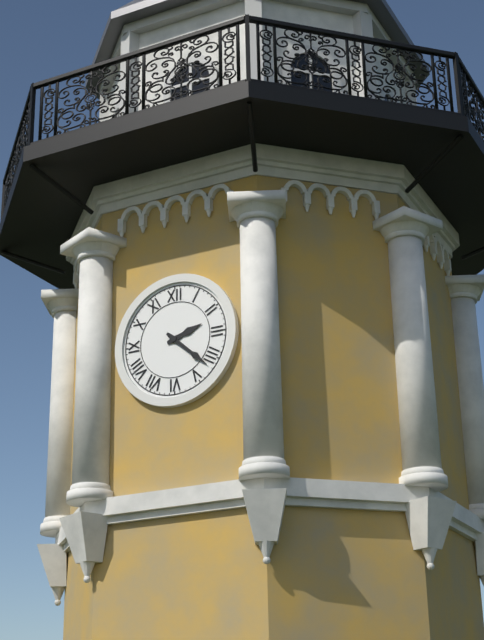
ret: 2:22
